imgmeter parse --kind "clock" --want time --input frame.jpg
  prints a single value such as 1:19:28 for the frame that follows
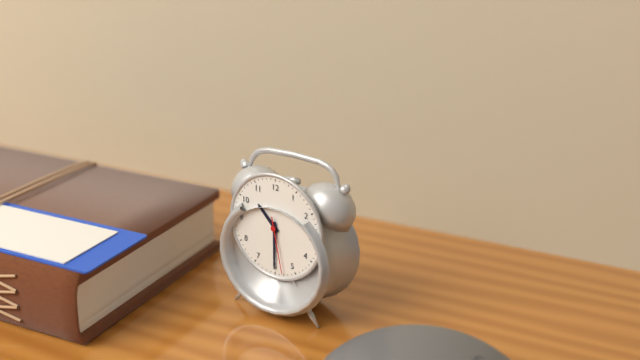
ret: 10:30:28
